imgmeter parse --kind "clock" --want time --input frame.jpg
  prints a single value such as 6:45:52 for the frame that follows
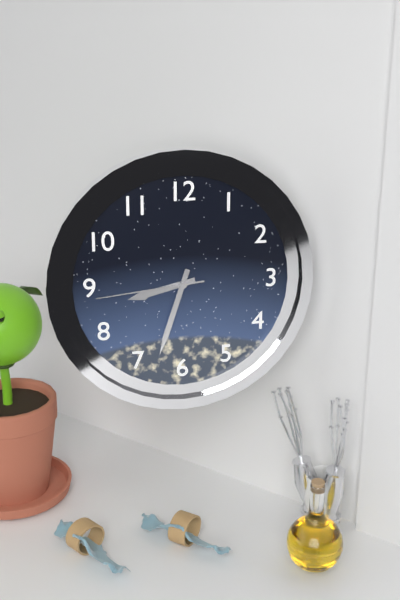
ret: 8:33:44
